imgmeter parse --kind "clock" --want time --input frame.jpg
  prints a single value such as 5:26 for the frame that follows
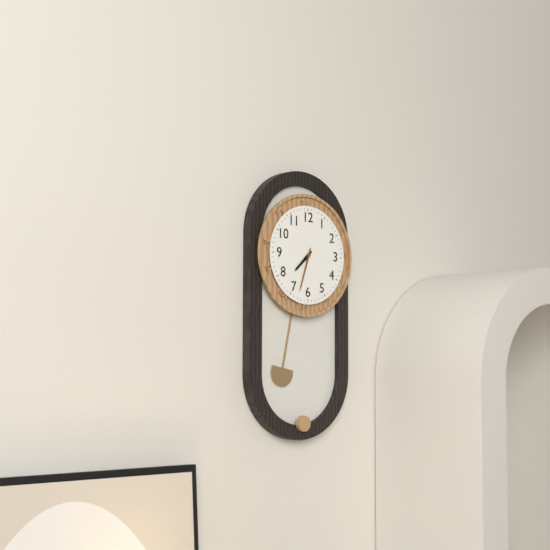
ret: 7:33
